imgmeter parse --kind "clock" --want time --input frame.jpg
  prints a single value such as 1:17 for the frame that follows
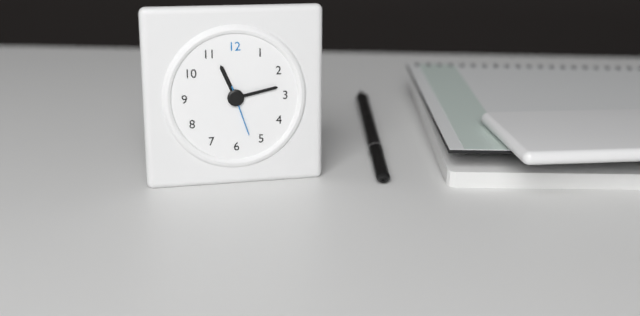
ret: 11:13
